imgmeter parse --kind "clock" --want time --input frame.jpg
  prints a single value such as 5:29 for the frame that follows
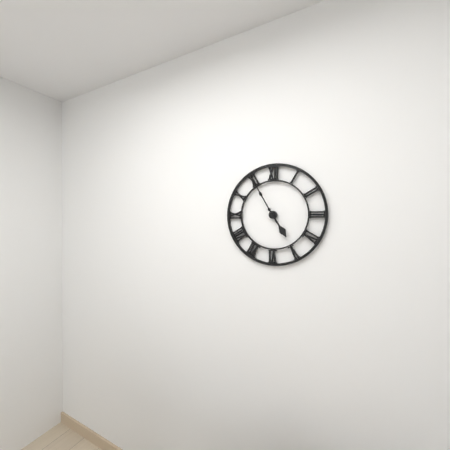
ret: 4:55
